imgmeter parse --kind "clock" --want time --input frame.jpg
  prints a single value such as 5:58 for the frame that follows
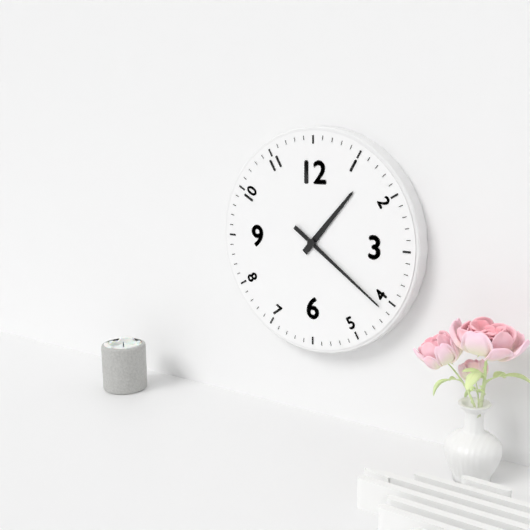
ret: 1:21
